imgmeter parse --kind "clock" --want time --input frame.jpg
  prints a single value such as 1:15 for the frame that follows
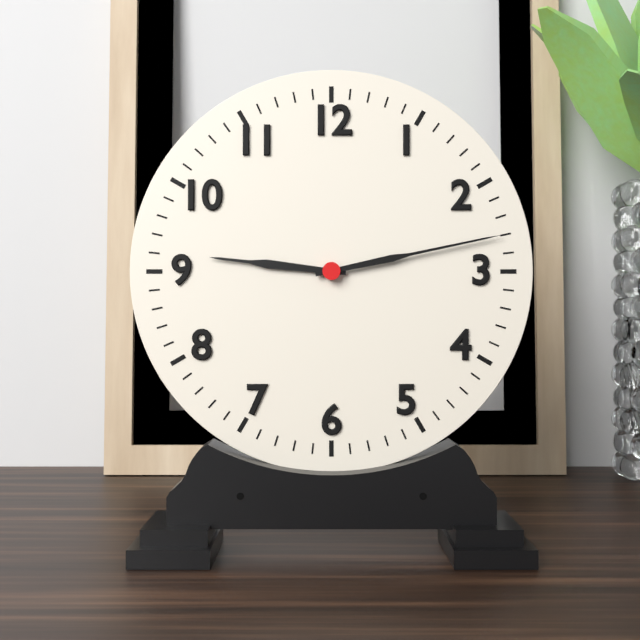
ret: 9:13
